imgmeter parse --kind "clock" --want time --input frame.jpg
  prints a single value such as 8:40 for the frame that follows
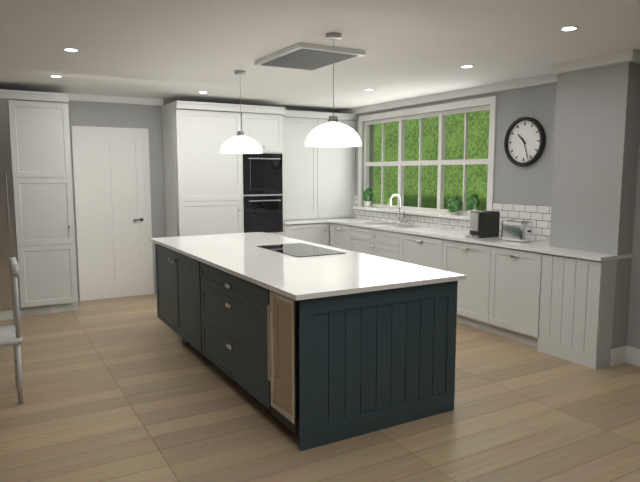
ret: 10:27
